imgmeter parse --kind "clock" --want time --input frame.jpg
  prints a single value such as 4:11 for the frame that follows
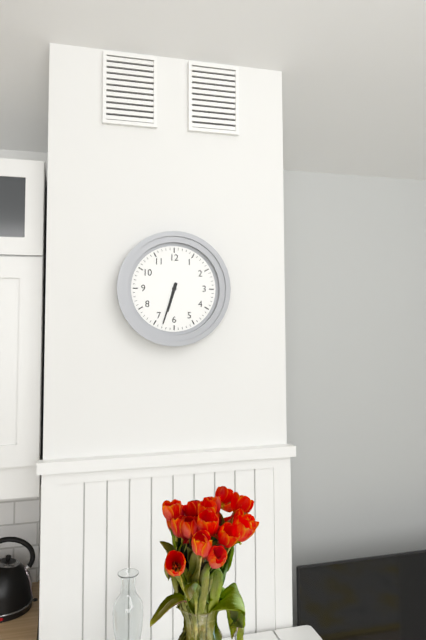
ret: 6:33
